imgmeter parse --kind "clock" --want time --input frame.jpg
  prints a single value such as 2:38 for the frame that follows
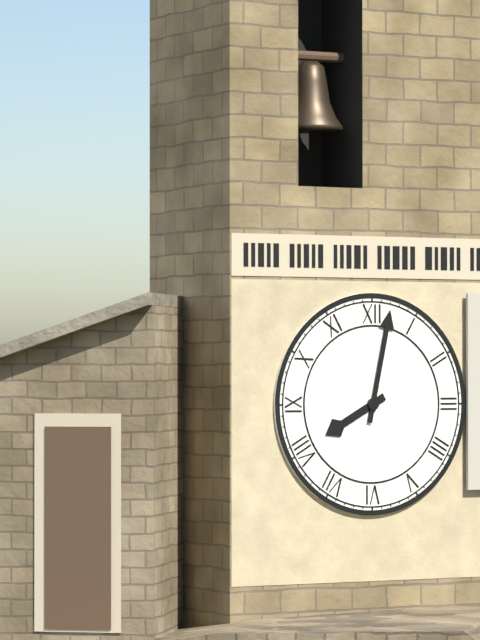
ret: 8:02
